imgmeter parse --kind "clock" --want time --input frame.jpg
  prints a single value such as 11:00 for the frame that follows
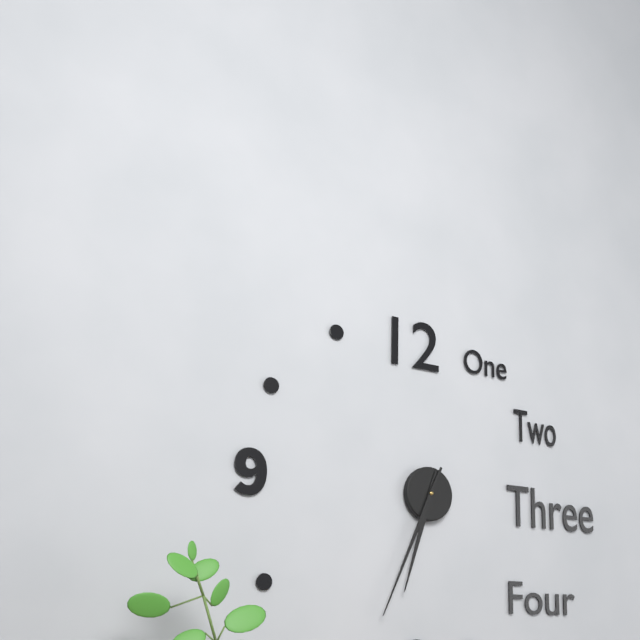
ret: 6:34
